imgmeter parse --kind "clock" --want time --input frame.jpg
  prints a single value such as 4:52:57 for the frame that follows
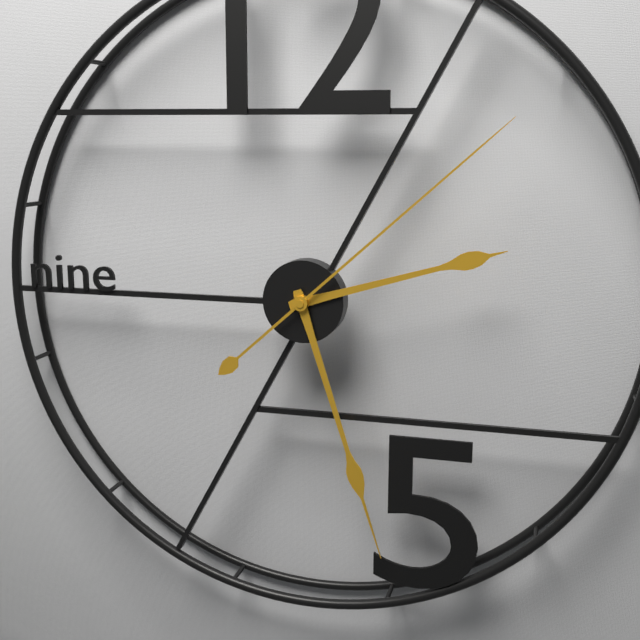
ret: 2:27:08
